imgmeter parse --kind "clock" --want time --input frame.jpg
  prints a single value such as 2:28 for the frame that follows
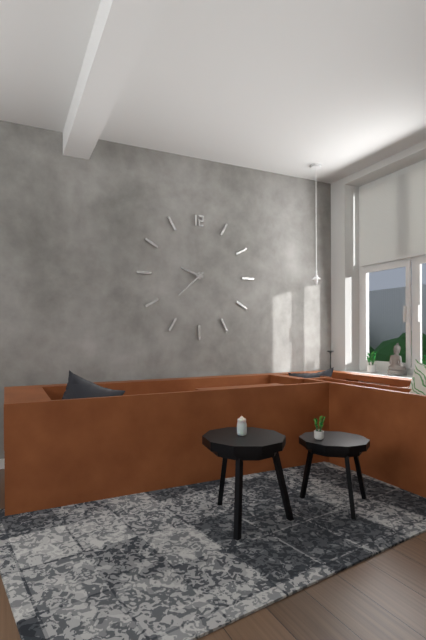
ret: 9:38
